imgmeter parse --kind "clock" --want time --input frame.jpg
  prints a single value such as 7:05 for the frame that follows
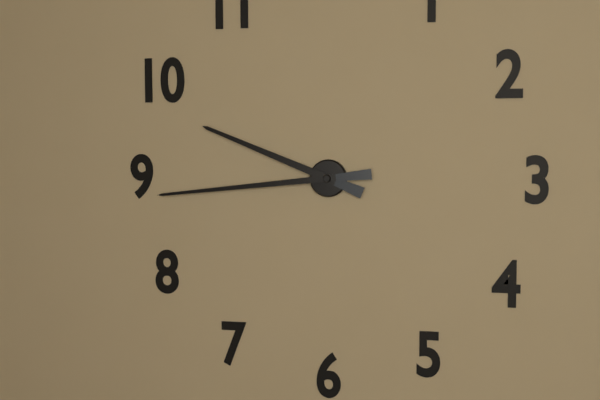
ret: 9:44
